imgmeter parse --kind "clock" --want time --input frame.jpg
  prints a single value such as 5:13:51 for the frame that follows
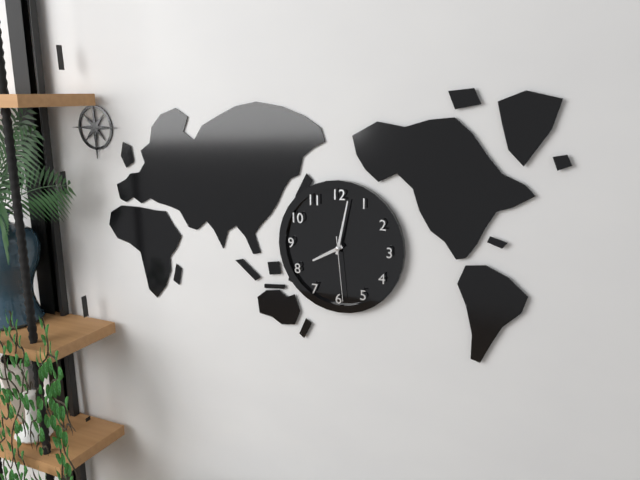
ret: 8:02:29
